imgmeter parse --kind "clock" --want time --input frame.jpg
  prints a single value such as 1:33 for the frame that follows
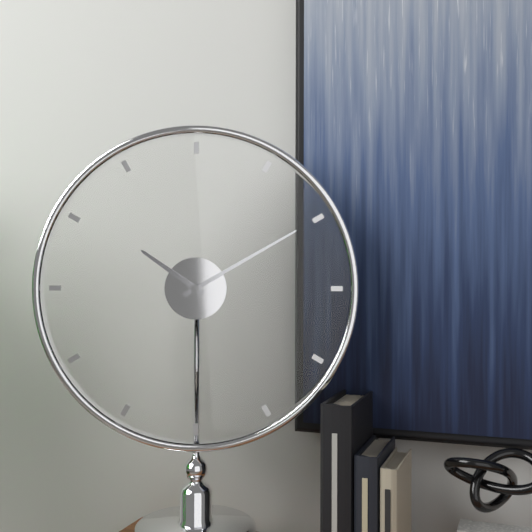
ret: 10:10
